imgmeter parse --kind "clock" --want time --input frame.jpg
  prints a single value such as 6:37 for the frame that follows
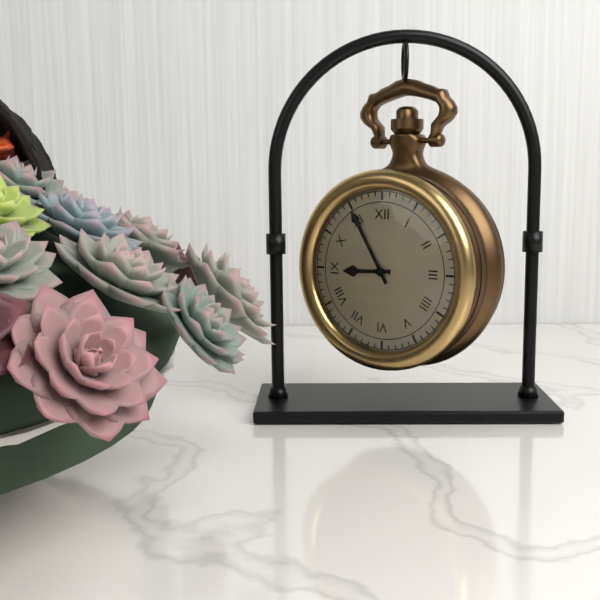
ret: 8:55
